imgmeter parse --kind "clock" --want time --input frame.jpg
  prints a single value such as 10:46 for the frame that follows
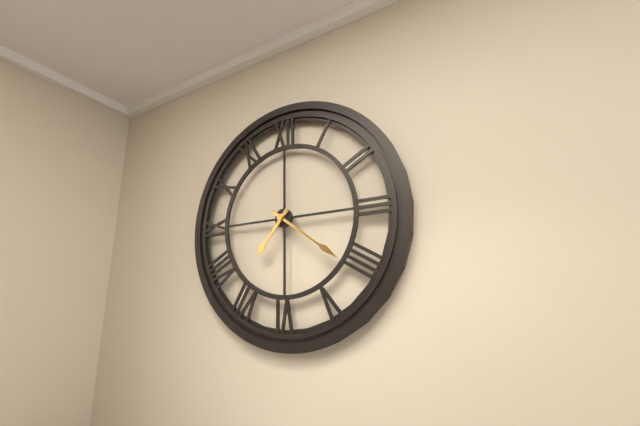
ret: 7:21
